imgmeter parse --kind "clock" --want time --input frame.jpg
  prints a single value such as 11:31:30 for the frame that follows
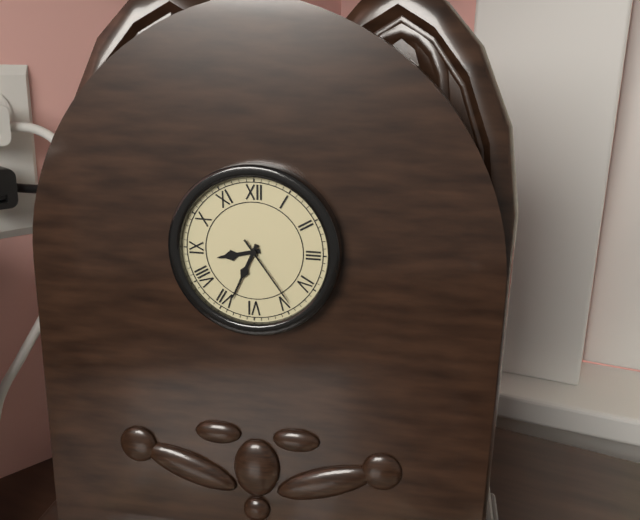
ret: 8:34:24
